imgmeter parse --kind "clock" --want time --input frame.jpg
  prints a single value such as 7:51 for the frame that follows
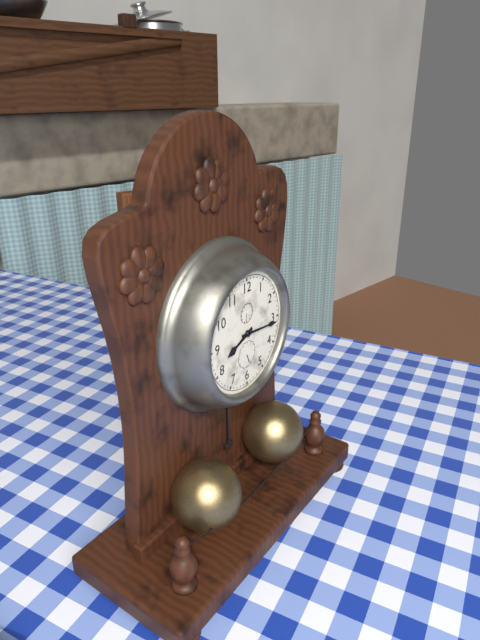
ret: 8:16
